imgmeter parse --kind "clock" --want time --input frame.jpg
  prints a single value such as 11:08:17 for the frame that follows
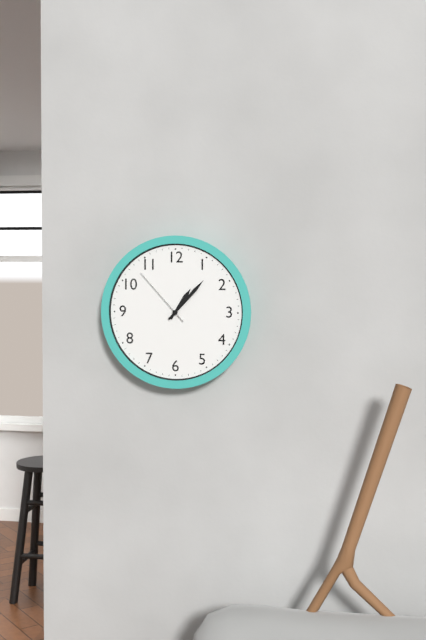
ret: 1:07:53
